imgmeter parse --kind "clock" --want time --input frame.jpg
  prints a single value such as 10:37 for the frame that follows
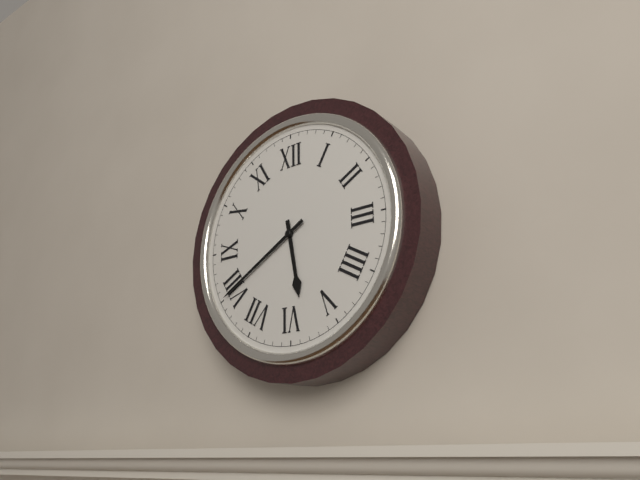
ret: 5:40
